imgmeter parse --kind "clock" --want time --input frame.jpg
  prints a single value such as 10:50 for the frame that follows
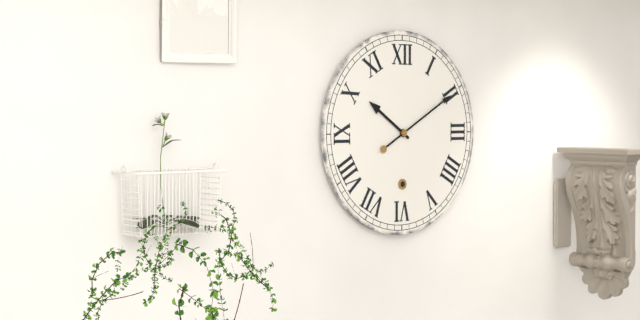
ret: 10:10
